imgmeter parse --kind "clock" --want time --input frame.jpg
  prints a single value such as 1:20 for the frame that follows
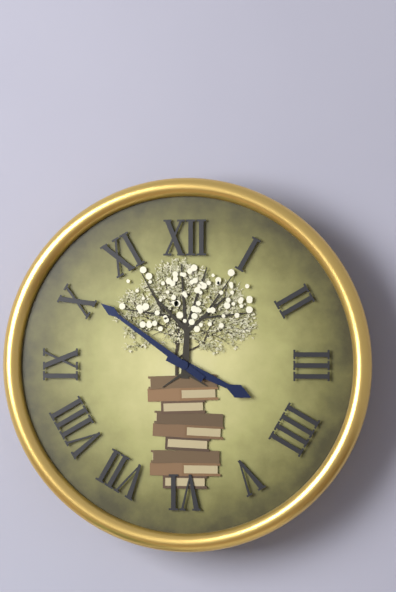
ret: 3:51
